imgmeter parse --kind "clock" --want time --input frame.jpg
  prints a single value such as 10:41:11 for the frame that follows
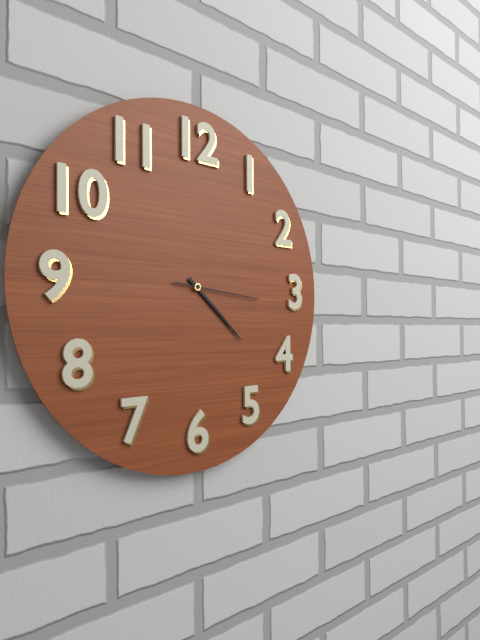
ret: 4:22:16
